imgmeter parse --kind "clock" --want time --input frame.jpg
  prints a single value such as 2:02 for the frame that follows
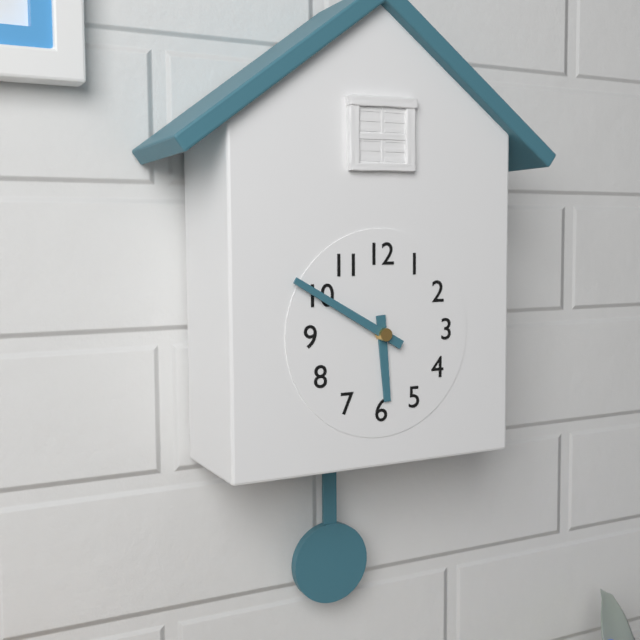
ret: 5:50
